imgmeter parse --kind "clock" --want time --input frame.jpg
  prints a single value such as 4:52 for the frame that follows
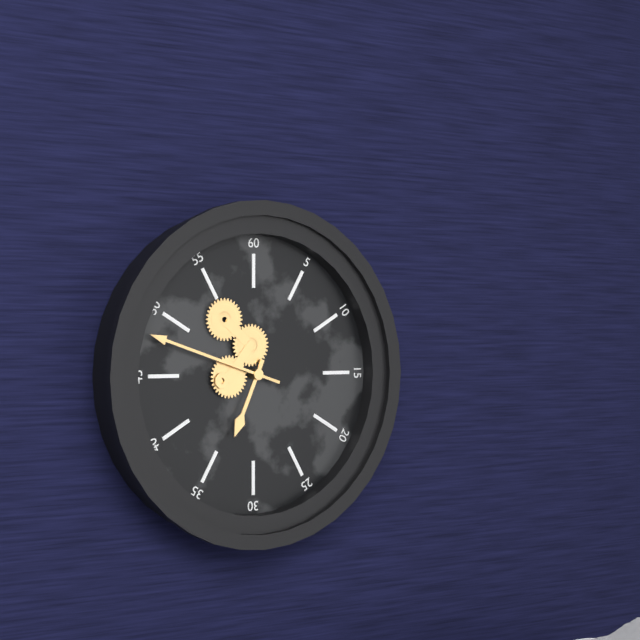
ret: 6:48
